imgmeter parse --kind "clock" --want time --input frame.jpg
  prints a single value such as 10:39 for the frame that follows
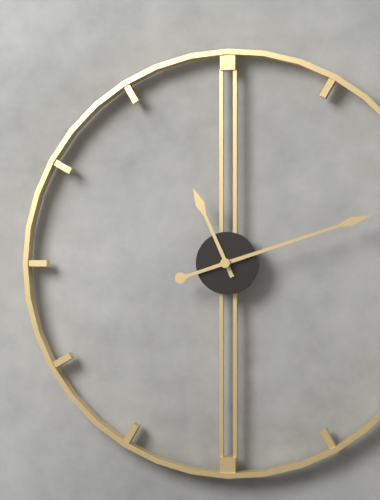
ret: 11:12
